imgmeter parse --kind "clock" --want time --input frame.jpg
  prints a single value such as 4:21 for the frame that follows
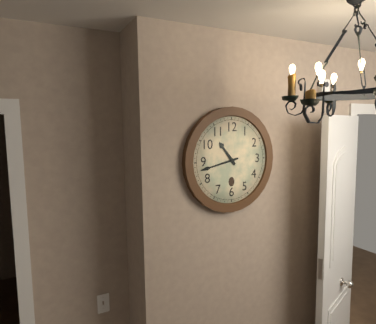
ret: 10:43
